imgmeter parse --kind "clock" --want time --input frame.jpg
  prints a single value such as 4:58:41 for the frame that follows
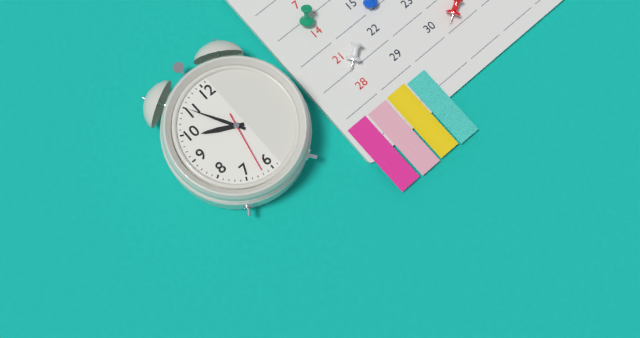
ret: 9:55:32
